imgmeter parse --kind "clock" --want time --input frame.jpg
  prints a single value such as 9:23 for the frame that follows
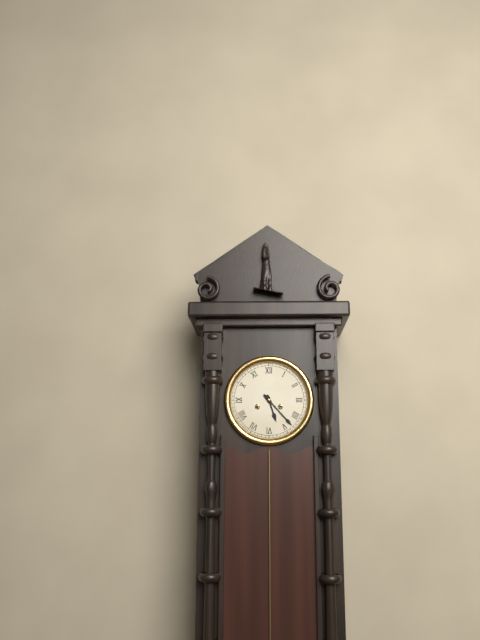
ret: 5:23
